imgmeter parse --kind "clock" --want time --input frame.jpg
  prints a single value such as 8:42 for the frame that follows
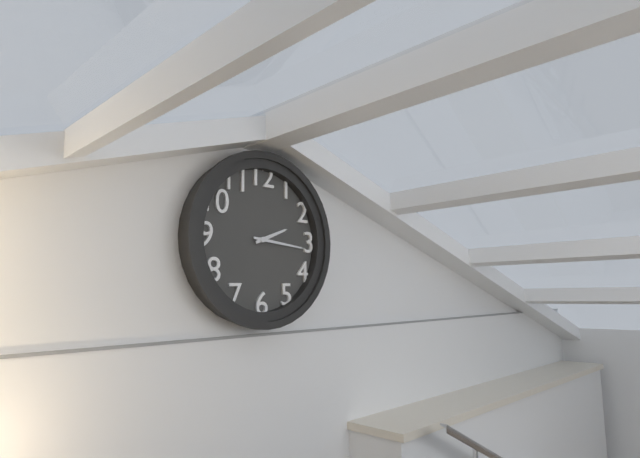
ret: 2:16
